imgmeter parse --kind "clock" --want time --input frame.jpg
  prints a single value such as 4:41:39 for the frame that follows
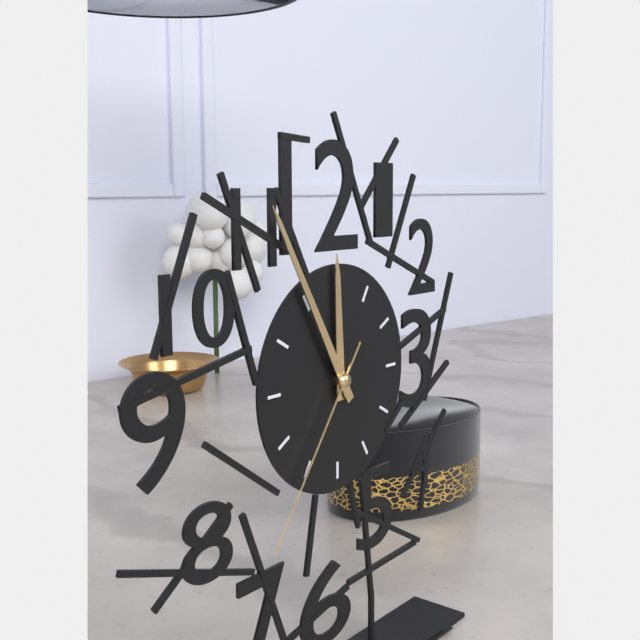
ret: 11:55:36
